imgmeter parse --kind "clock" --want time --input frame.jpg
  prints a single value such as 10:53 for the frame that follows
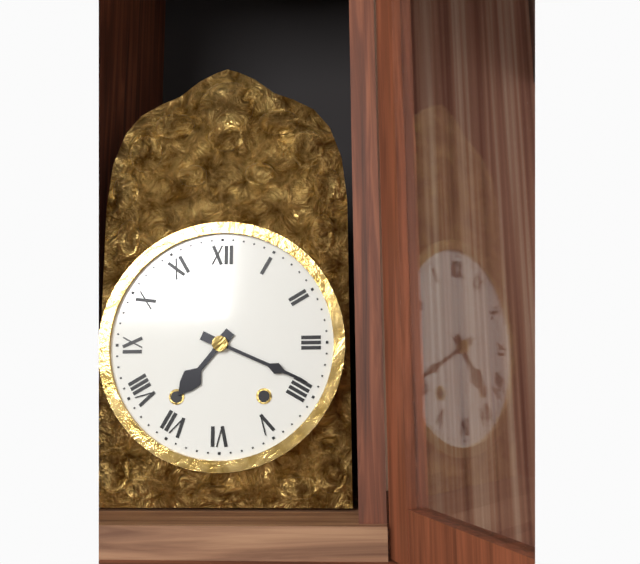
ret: 7:19
